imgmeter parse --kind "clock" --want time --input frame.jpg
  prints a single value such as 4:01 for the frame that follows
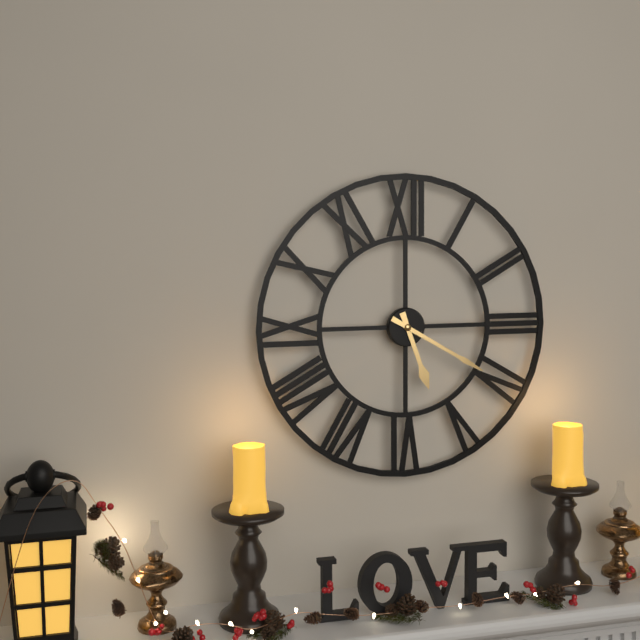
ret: 5:20
